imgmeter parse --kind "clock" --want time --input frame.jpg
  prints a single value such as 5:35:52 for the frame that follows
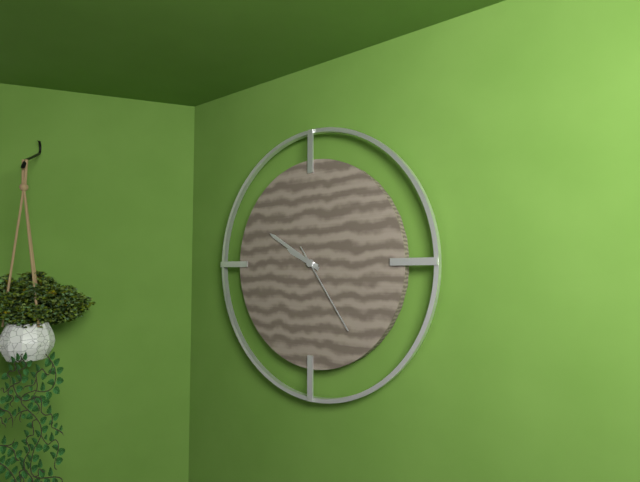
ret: 9:50:24
